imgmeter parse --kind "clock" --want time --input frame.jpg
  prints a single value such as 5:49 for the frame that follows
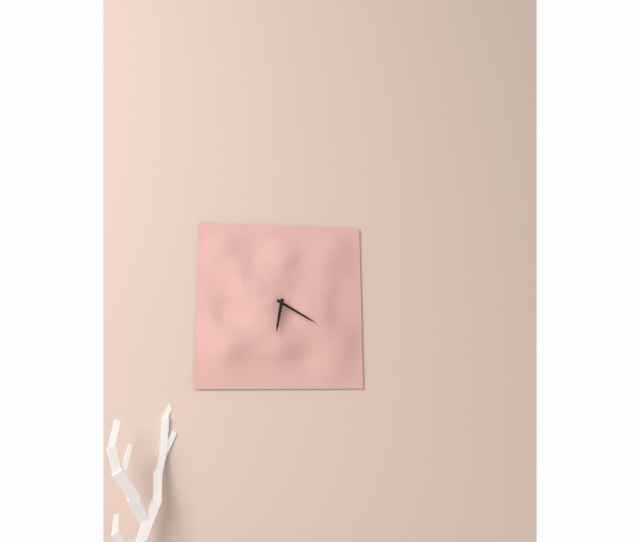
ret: 6:20
